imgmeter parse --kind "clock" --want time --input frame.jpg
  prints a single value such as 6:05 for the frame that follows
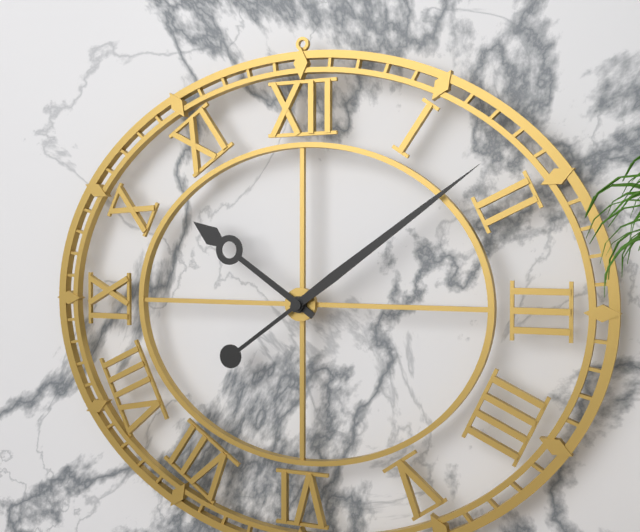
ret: 10:09
